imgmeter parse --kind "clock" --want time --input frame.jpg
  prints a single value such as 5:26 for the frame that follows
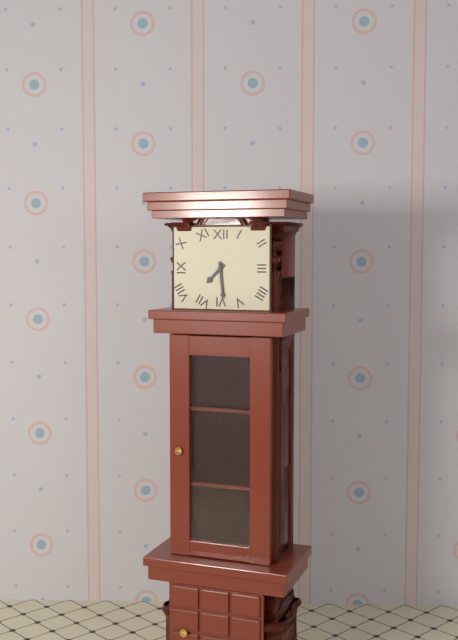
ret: 7:29
